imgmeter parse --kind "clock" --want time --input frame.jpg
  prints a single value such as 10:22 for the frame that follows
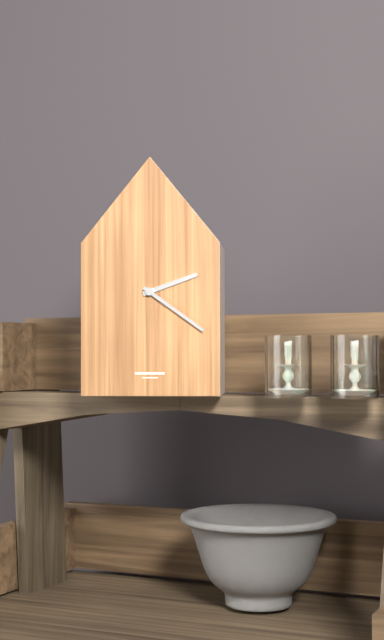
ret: 2:21
